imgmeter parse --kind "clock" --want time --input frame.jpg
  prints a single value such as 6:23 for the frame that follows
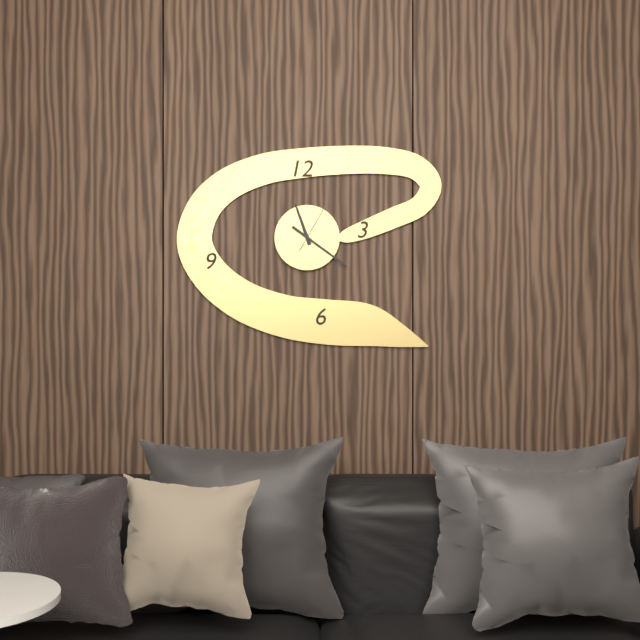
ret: 11:21
